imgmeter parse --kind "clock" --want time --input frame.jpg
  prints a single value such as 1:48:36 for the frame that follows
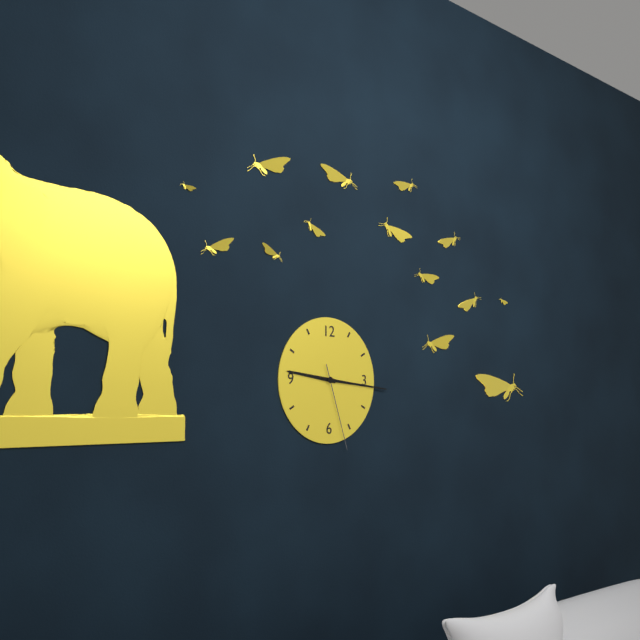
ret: 9:16:27
